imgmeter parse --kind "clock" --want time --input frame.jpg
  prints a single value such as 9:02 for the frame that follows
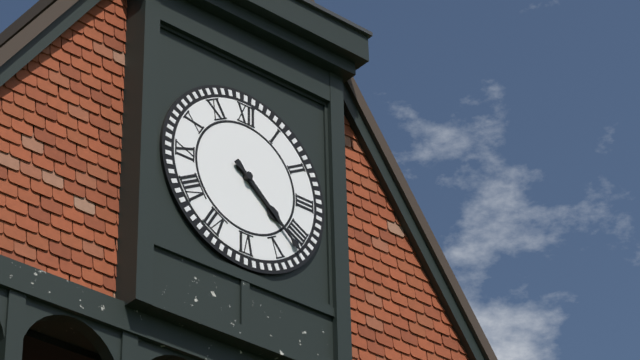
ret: 4:22
